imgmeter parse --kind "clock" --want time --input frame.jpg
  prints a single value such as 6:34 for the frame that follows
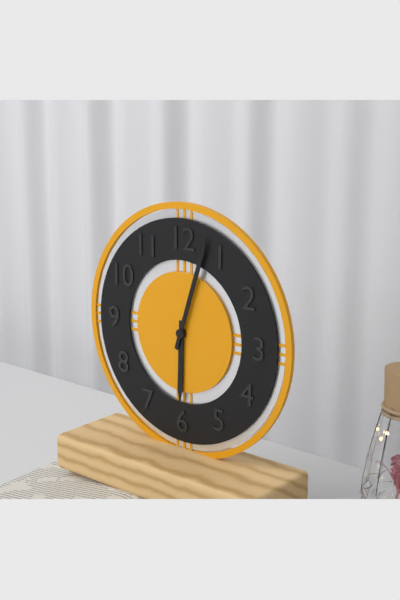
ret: 6:03
